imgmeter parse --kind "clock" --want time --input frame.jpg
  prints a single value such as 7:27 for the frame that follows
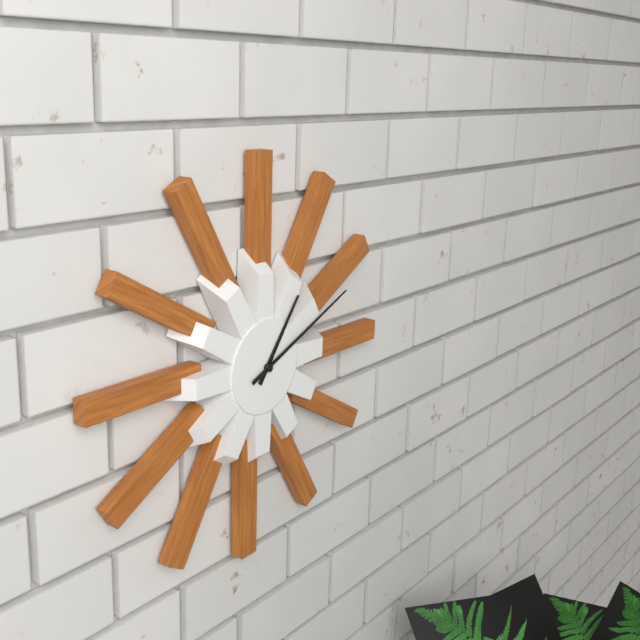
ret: 1:11
